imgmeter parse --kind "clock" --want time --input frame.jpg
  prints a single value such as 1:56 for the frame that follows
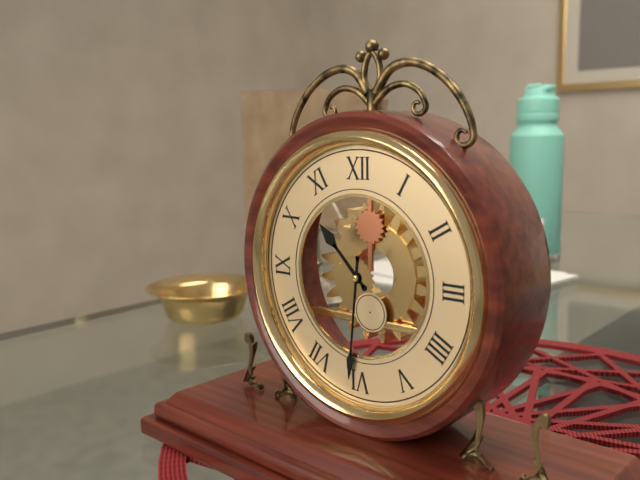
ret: 10:31
